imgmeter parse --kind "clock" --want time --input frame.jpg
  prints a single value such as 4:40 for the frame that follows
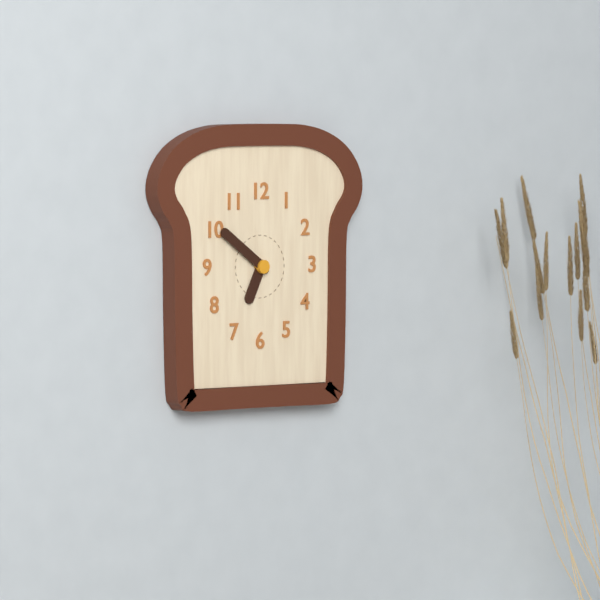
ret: 6:51
